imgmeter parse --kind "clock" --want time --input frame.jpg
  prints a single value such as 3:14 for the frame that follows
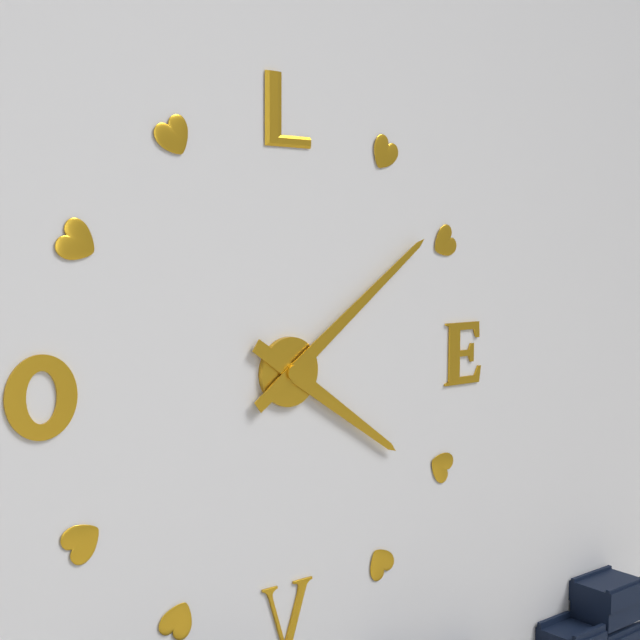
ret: 4:09
